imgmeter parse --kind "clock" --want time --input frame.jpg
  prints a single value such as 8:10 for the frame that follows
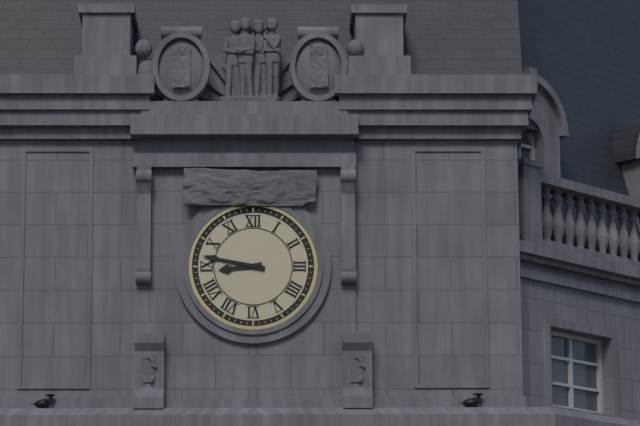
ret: 8:47
